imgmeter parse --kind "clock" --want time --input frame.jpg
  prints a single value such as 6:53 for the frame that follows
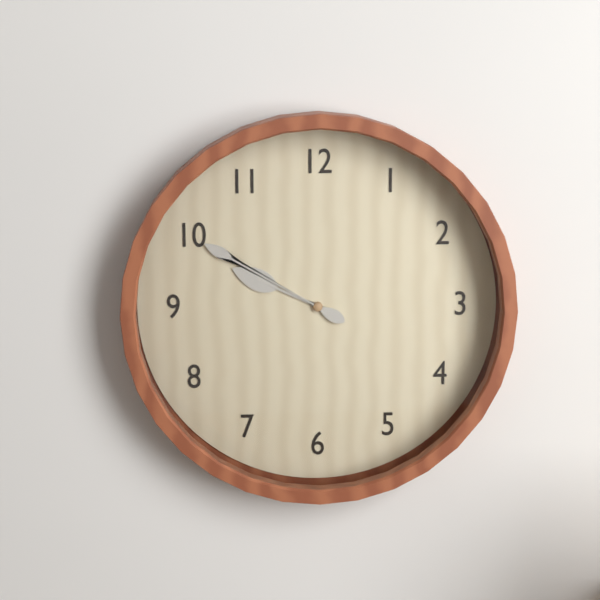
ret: 9:50
